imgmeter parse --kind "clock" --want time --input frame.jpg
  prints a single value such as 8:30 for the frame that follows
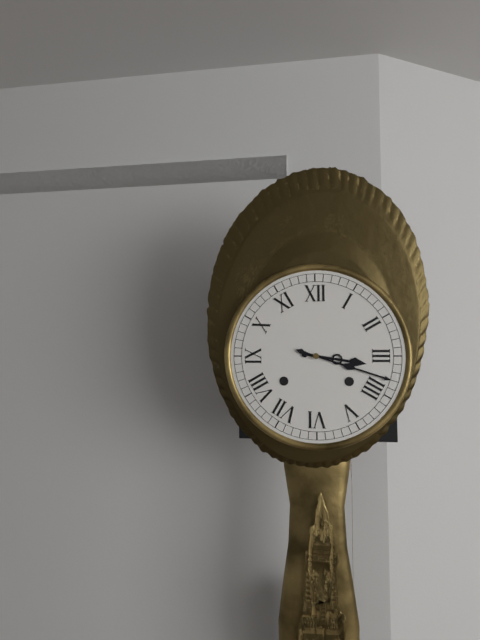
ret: 3:18
